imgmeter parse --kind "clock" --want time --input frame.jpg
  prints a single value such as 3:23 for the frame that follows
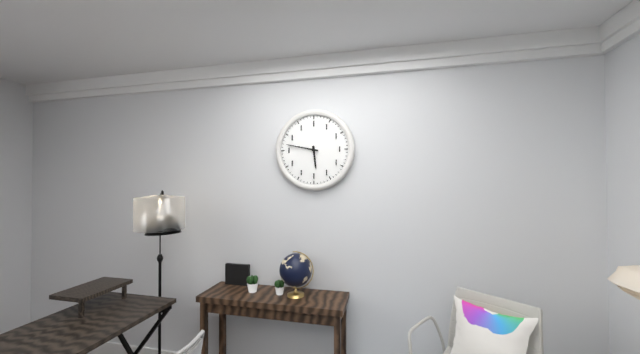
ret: 5:47
